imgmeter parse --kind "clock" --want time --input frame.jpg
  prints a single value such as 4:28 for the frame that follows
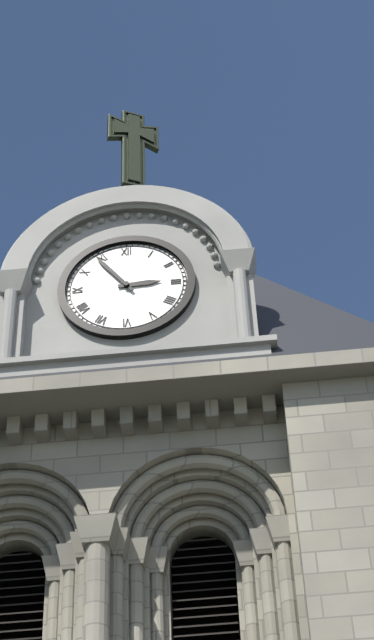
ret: 2:54
